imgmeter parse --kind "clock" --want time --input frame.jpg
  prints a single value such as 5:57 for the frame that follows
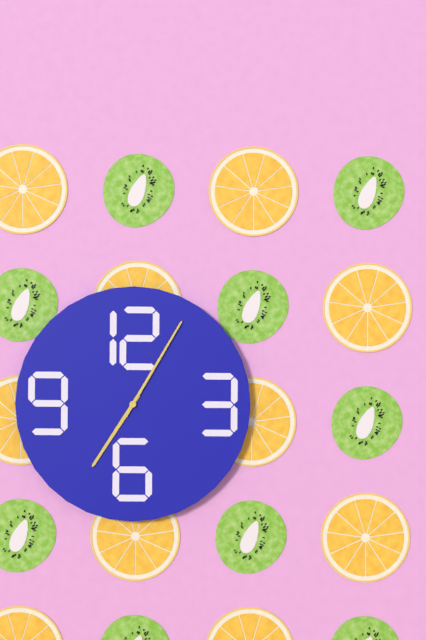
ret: 7:05
